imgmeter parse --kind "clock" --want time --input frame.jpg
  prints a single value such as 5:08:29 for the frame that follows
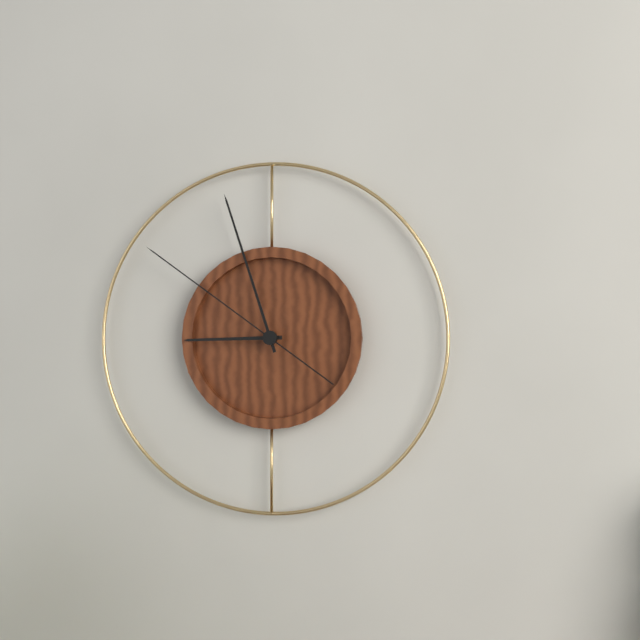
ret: 8:57:51
